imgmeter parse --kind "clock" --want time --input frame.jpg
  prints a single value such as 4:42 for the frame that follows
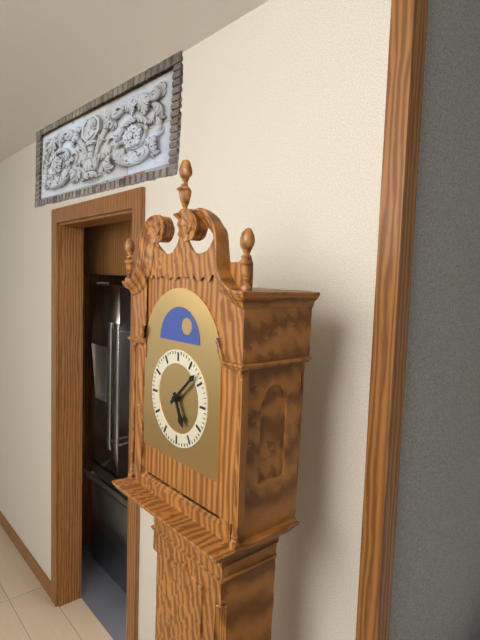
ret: 5:08
